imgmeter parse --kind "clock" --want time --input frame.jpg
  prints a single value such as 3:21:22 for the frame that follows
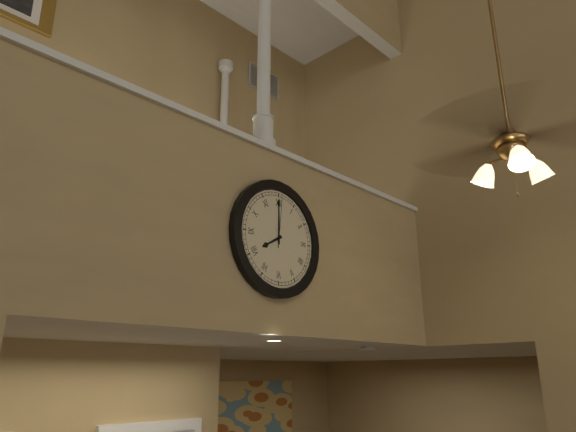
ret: 8:00:01
